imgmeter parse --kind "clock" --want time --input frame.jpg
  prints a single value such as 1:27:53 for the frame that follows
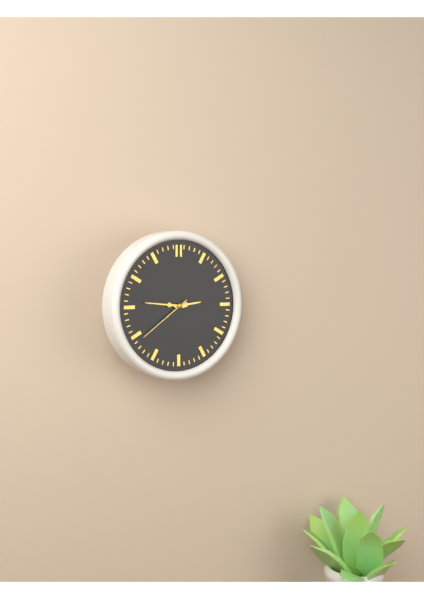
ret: 2:46:39
